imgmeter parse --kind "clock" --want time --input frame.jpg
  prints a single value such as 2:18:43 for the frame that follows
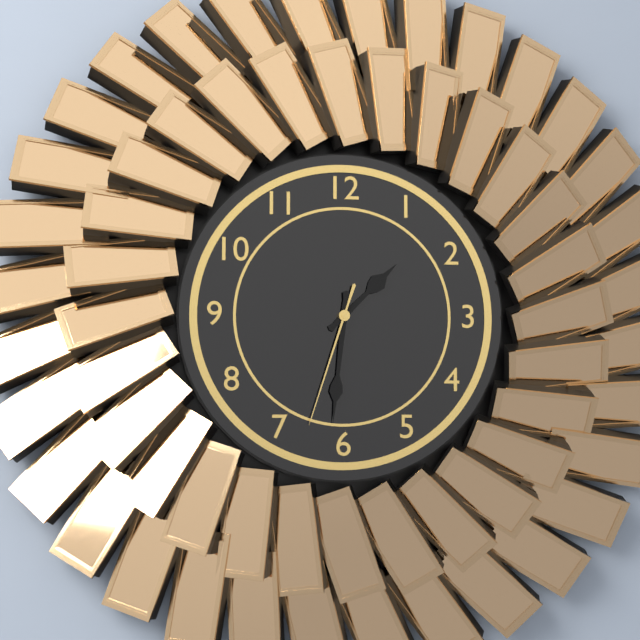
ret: 1:31:33
